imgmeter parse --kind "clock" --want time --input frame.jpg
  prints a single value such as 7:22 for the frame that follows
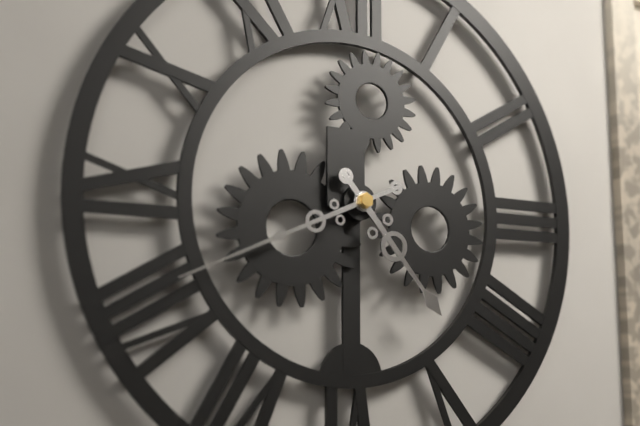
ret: 4:41
